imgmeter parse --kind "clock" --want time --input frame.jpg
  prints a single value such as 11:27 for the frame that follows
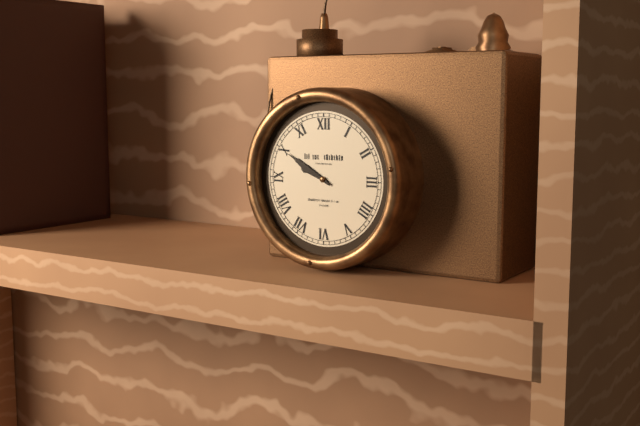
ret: 9:50
